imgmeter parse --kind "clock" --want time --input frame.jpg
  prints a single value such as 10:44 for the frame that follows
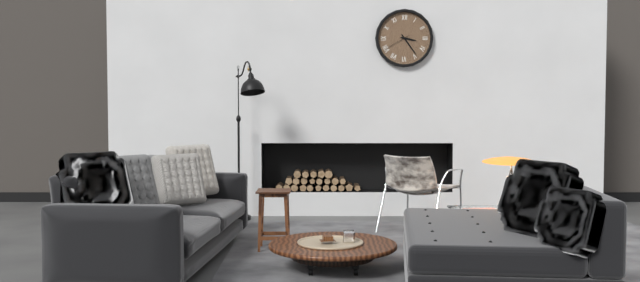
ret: 3:24
